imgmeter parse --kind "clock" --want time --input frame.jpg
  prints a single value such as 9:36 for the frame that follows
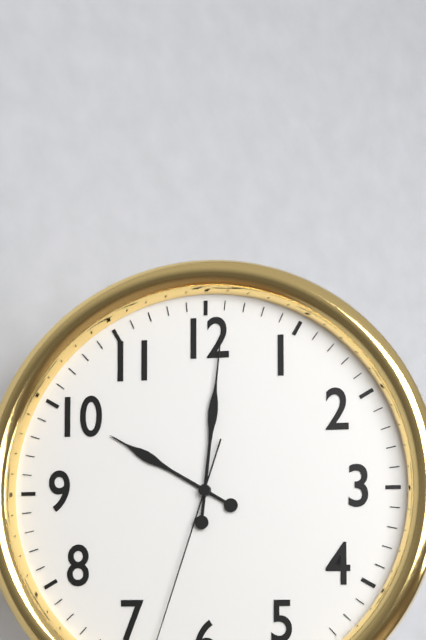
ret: 10:01
